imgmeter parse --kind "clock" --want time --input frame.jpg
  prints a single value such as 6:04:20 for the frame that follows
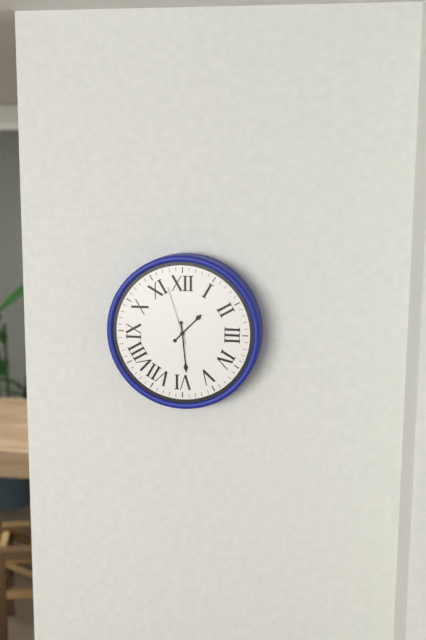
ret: 1:29:57
